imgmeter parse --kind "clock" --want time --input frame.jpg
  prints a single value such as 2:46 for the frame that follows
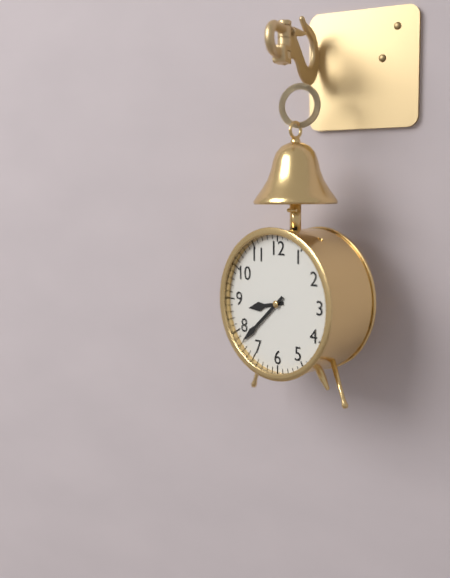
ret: 8:38
